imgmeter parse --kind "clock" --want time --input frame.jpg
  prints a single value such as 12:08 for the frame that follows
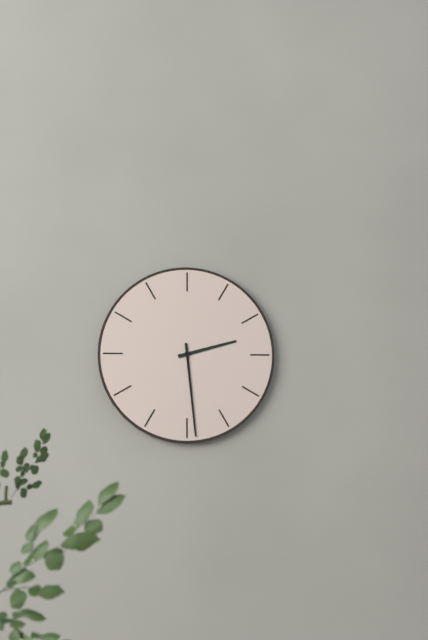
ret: 2:29
